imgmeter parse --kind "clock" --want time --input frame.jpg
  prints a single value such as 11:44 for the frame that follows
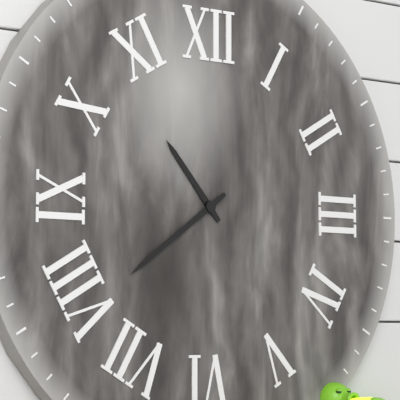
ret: 10:39
